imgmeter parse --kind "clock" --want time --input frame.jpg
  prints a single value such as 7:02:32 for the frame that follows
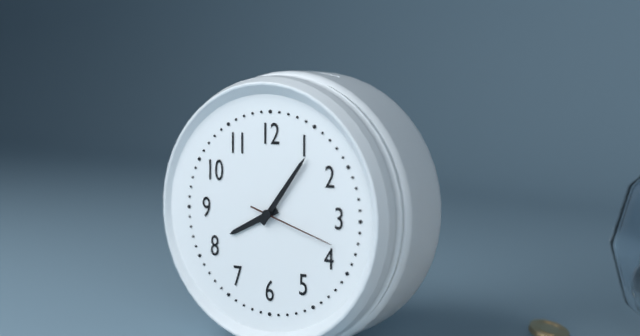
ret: 8:06:18
